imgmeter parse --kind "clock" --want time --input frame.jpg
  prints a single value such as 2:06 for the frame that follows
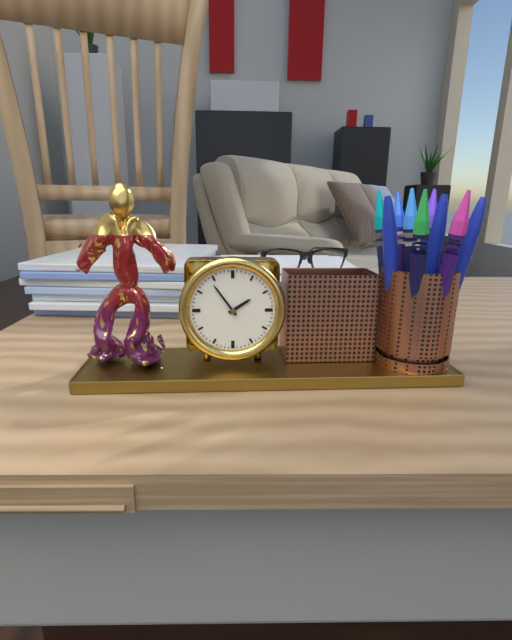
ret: 1:54
